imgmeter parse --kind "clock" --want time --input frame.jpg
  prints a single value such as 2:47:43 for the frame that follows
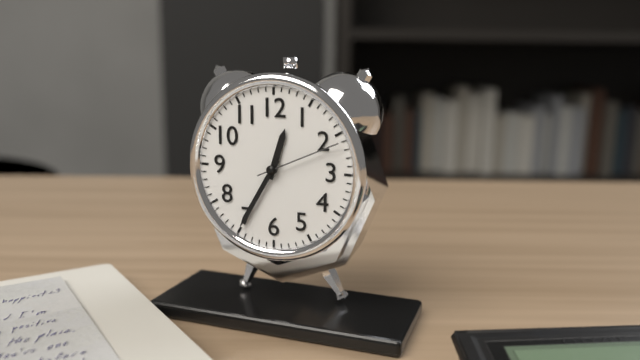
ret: 12:35:11
